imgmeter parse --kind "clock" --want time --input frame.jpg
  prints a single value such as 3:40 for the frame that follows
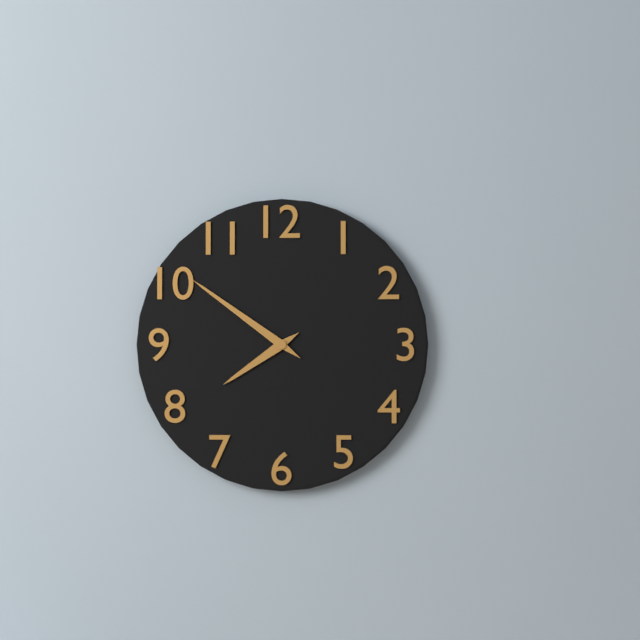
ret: 7:51
